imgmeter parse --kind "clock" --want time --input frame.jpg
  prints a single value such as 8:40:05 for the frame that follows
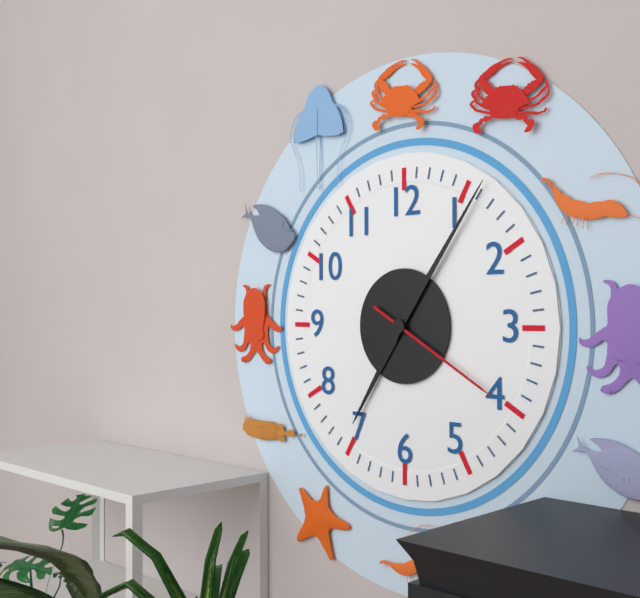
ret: 7:06:20
